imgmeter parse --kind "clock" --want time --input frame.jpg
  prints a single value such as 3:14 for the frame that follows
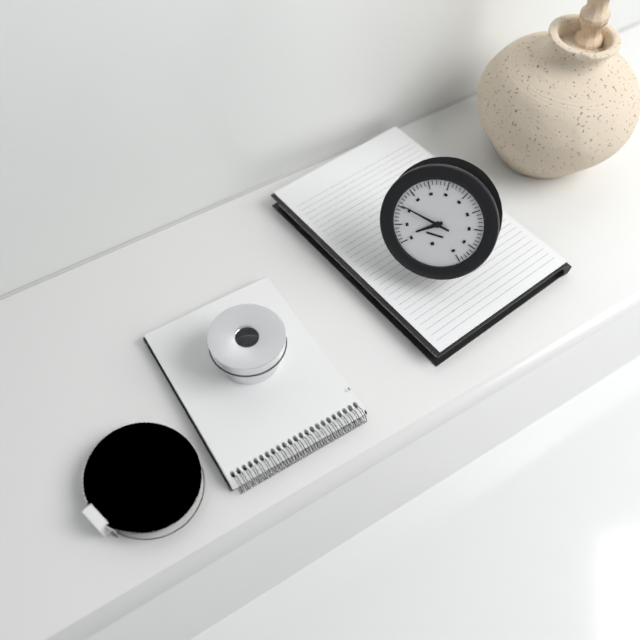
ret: 7:47
